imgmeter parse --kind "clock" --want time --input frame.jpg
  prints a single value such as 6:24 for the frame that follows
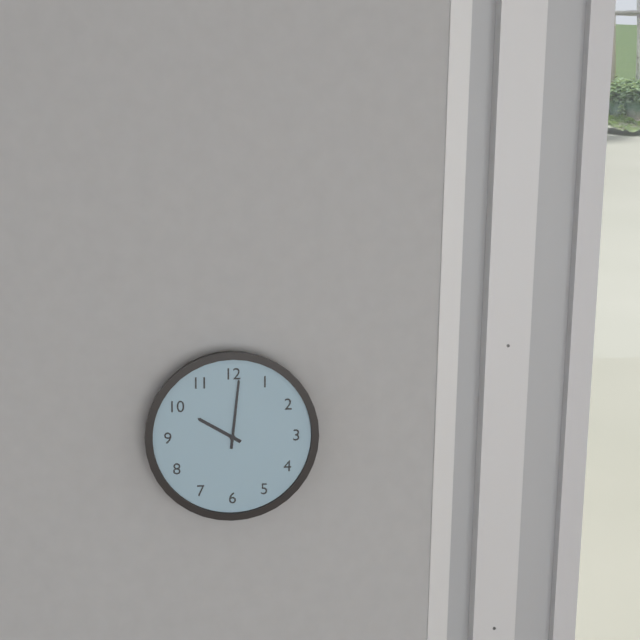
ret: 10:01
